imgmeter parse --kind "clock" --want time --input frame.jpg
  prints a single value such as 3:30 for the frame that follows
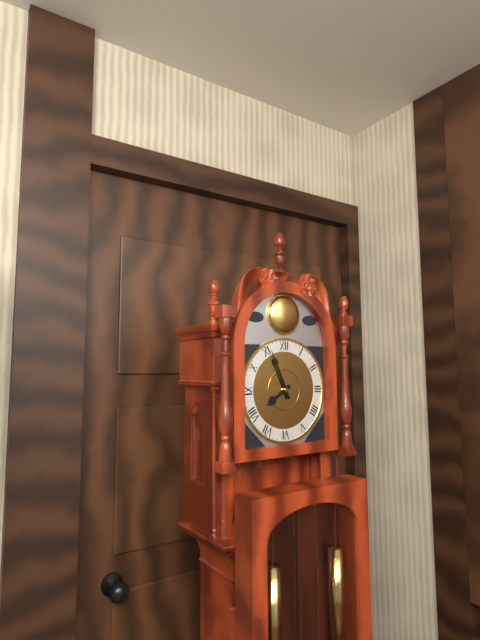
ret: 7:56
